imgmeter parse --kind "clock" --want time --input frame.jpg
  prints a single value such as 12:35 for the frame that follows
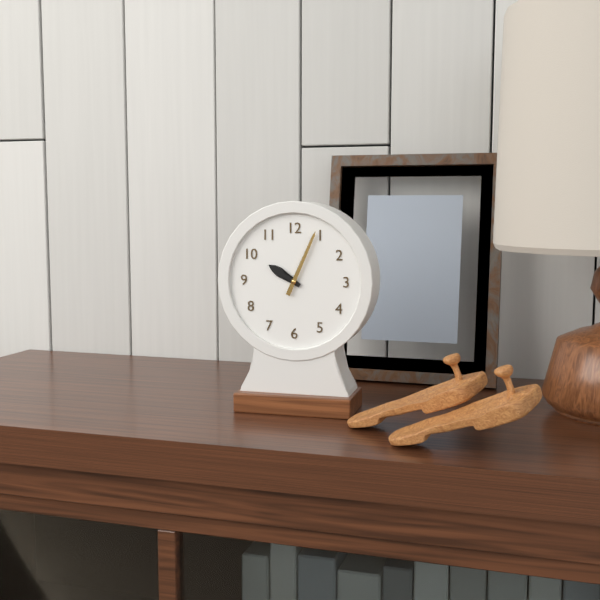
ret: 10:04
